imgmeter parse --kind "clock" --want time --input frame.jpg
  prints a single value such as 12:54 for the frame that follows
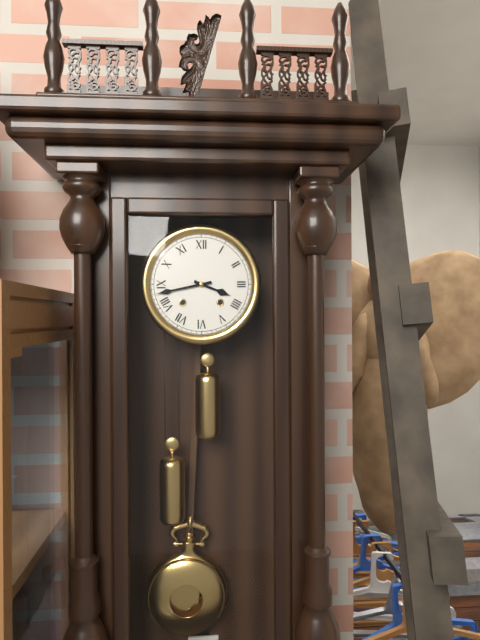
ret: 3:43
